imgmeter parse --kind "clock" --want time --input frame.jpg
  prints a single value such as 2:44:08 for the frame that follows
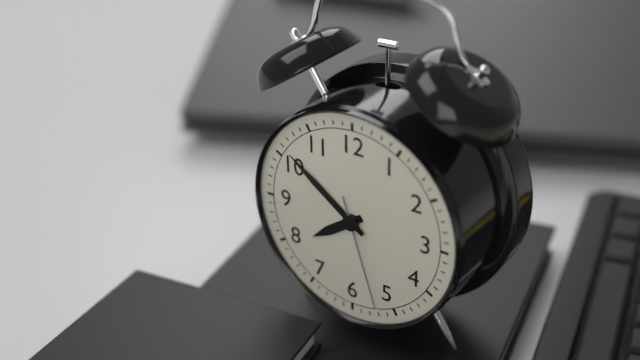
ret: 7:51:27
